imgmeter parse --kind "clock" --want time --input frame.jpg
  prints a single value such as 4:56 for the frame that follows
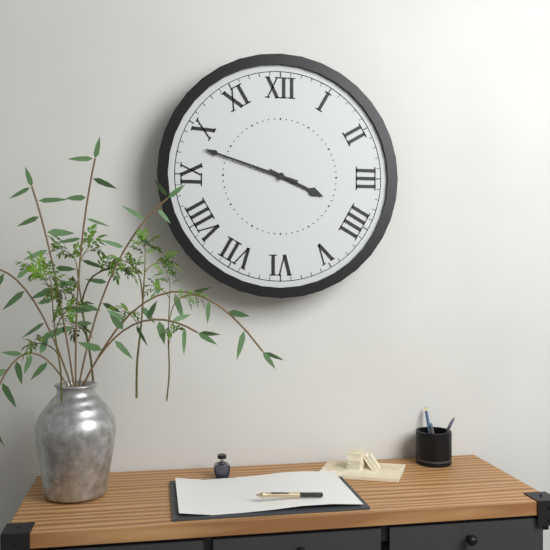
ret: 3:48
